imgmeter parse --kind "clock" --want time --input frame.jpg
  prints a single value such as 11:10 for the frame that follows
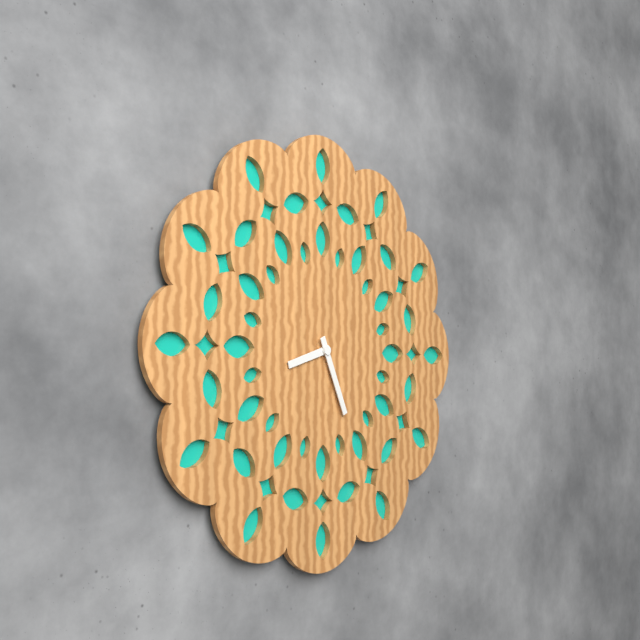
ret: 8:26
